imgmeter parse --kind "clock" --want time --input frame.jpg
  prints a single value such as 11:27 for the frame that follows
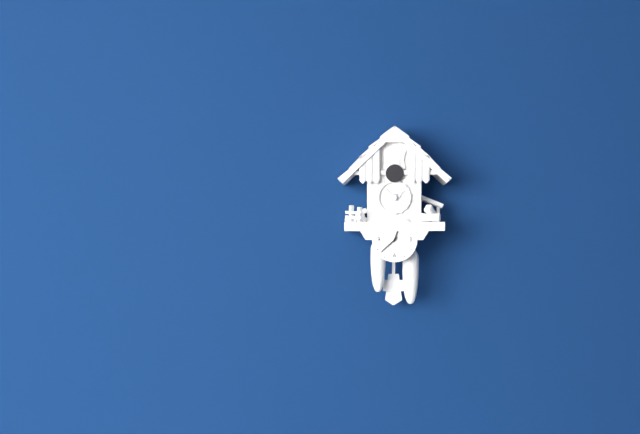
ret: 12:38
